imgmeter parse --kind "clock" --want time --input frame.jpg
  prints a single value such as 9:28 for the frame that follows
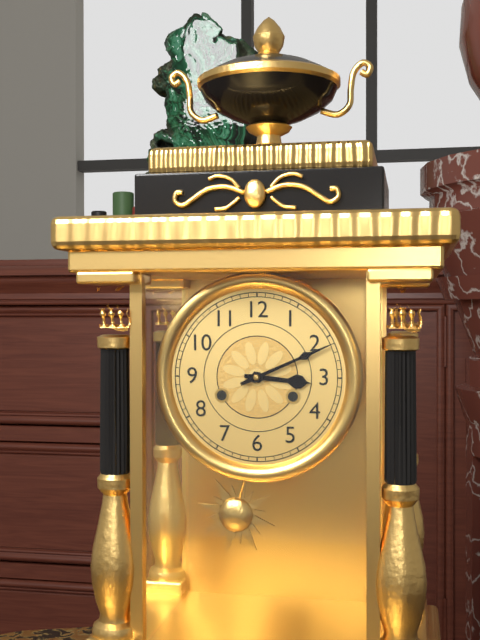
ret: 3:11
